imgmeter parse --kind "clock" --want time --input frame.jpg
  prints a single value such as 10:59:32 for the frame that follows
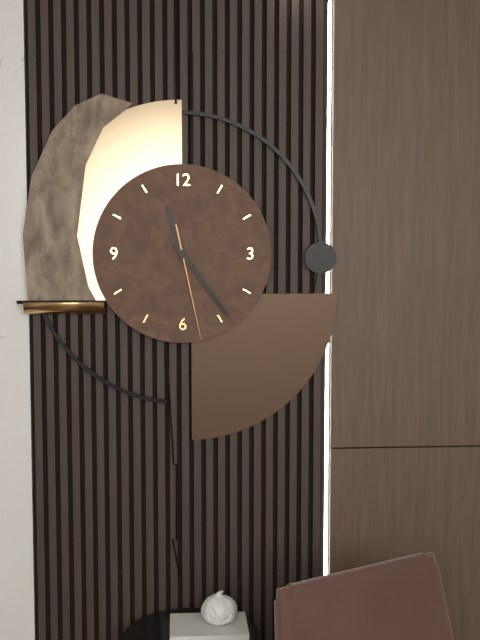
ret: 11:24:28
